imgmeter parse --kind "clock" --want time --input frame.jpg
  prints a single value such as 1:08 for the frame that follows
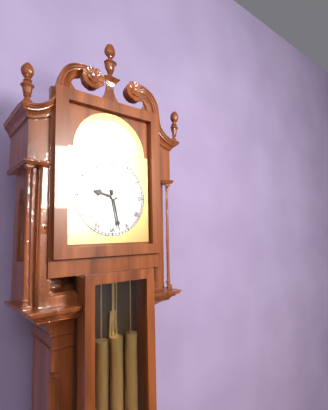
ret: 9:28
